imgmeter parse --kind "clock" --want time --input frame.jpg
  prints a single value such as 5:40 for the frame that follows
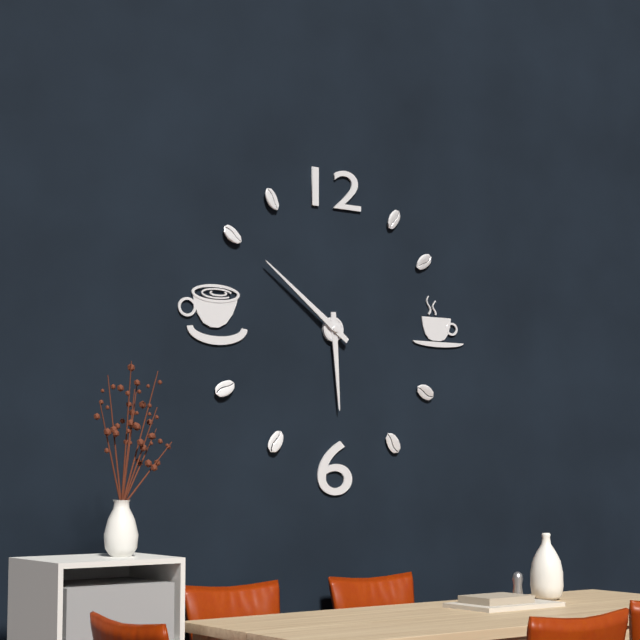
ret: 5:51
